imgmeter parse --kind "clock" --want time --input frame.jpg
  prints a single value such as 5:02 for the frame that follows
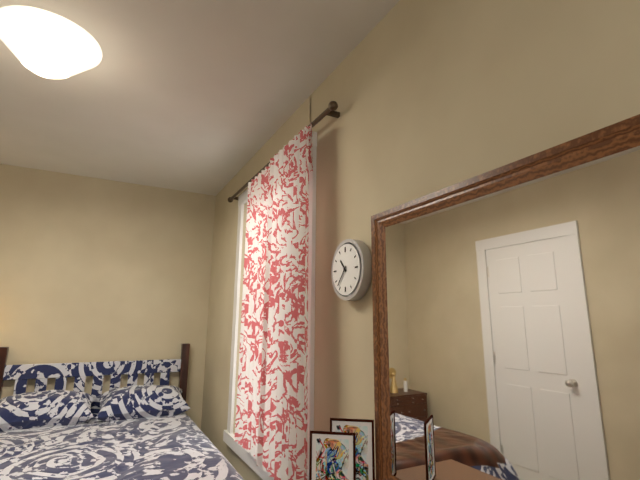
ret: 10:37
